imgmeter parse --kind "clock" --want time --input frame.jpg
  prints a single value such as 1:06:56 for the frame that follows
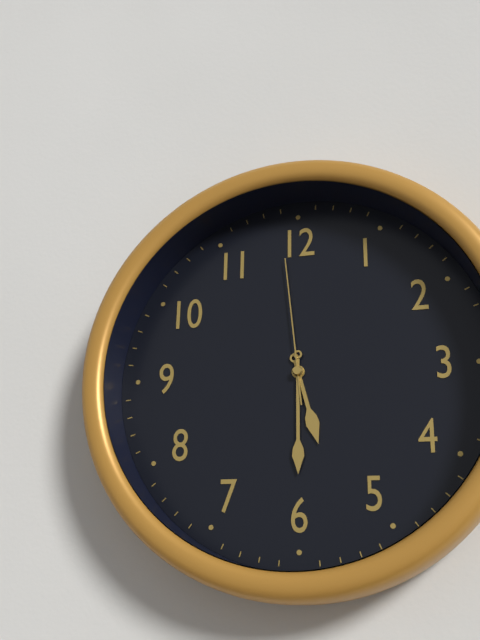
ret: 5:30:59
